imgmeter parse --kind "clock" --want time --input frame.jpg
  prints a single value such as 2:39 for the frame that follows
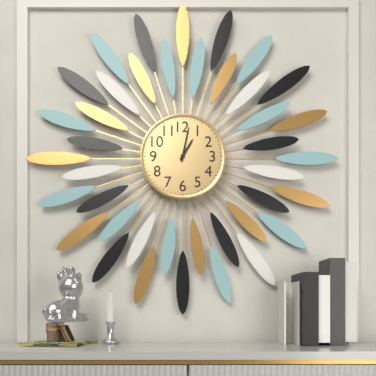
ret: 1:02
